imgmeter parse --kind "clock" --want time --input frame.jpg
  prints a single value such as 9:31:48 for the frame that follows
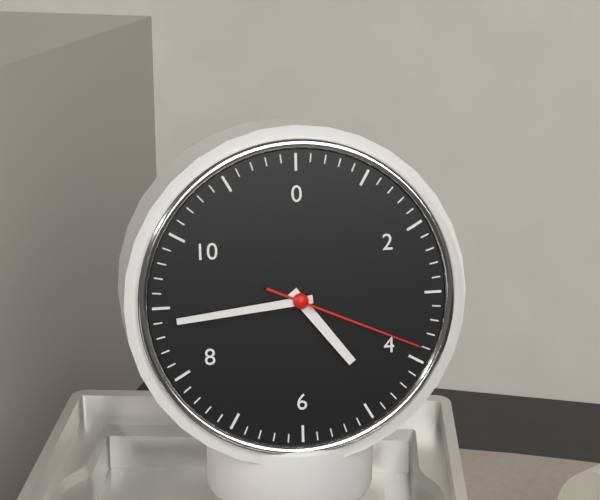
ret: 4:44:19
